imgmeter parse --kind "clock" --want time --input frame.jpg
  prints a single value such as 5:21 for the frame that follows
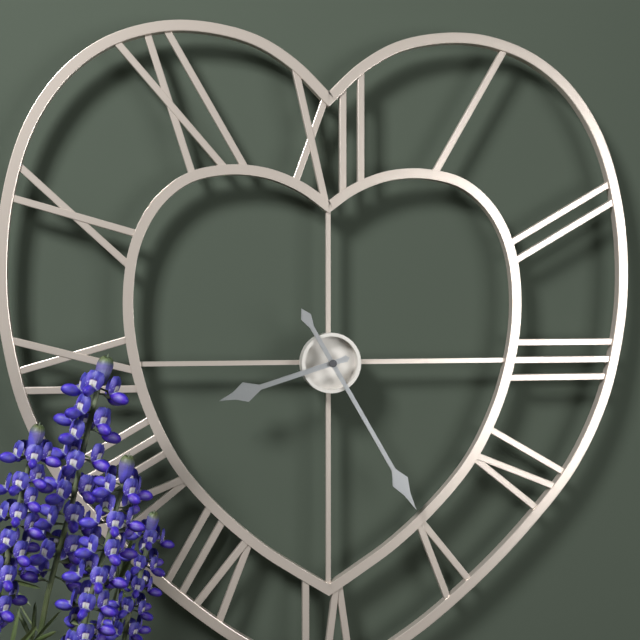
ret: 8:25
